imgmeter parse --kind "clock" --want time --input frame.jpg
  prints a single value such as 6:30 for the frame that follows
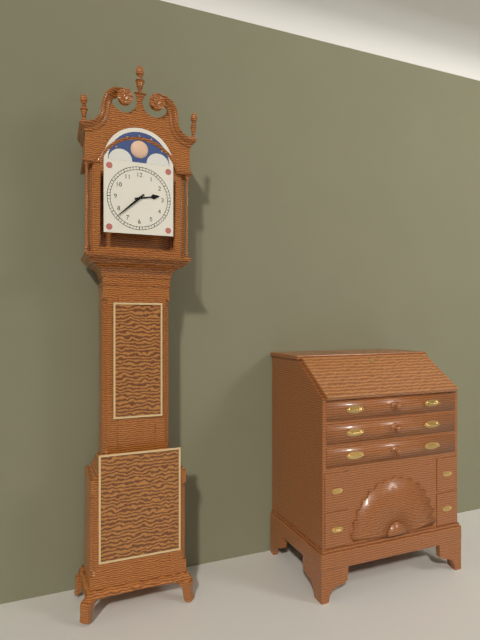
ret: 2:38
